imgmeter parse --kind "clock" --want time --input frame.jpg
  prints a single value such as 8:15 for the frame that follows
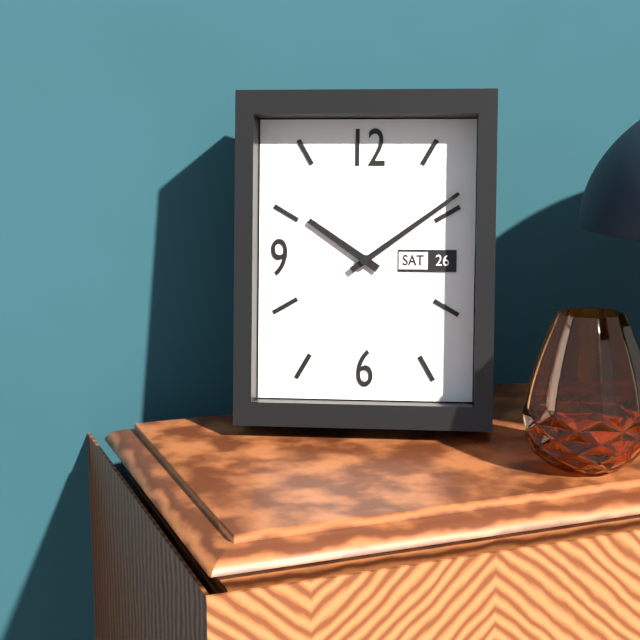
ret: 10:09
